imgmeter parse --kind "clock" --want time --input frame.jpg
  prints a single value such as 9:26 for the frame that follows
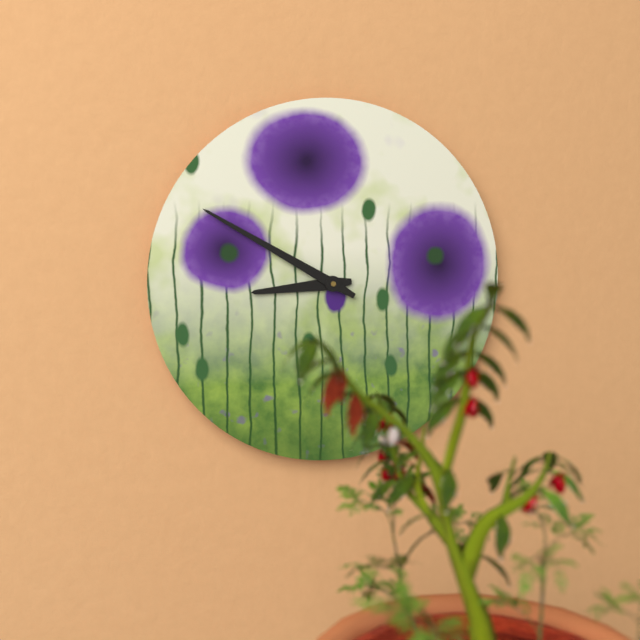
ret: 8:50
